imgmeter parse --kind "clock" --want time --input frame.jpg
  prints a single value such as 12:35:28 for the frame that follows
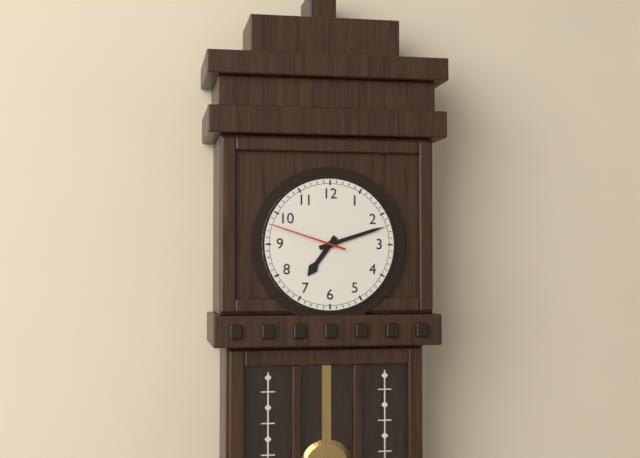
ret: 7:12:48
